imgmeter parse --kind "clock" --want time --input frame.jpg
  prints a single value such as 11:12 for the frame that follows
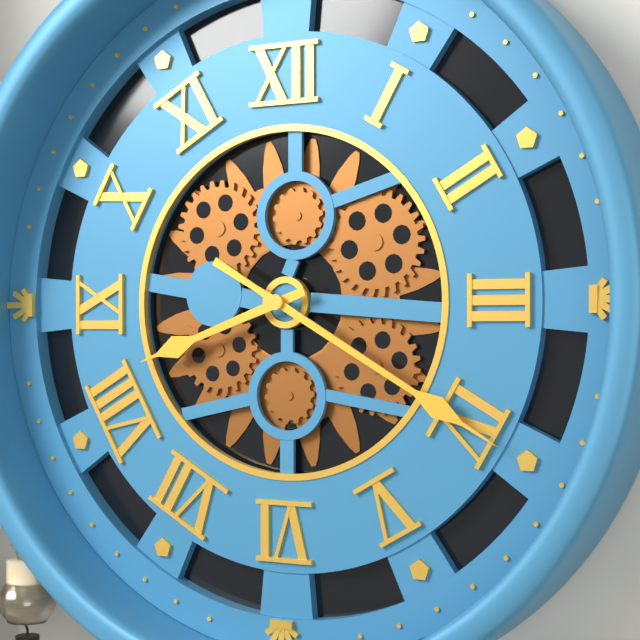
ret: 8:20
